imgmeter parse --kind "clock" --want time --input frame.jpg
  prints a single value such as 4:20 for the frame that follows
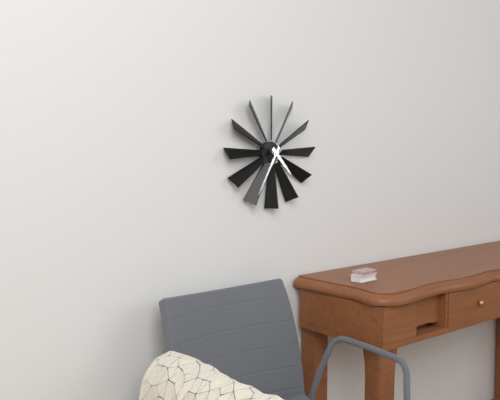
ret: 4:35
